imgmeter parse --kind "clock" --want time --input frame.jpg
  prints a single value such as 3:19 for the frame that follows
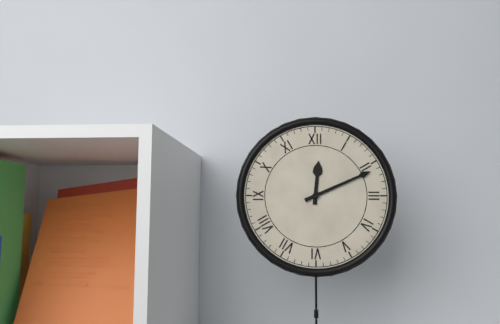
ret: 12:11
